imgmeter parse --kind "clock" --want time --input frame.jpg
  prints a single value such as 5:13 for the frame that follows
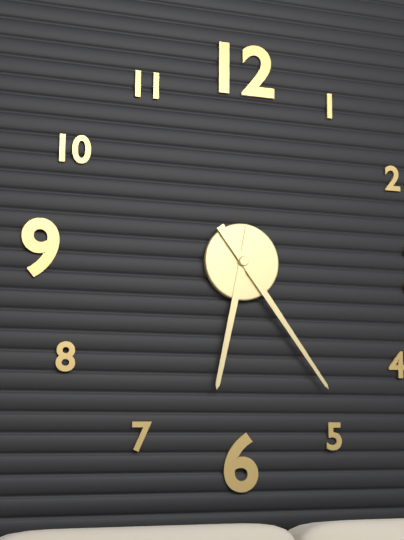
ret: 6:24
